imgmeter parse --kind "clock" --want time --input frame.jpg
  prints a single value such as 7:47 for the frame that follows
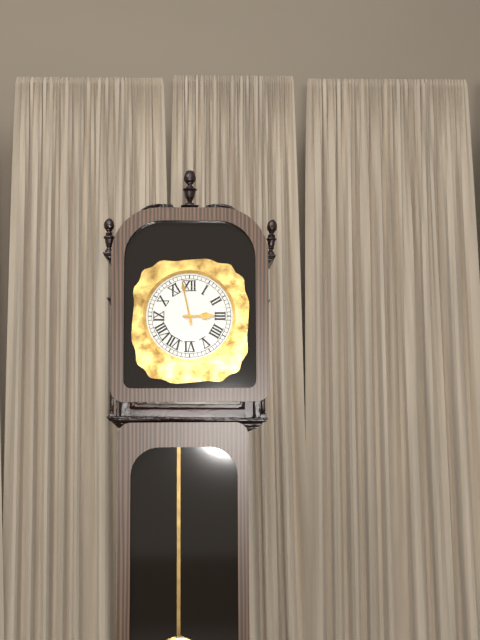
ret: 2:58
